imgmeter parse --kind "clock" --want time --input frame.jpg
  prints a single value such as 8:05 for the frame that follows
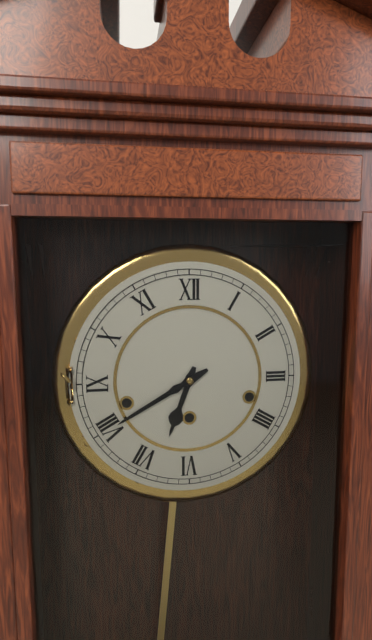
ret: 6:40
